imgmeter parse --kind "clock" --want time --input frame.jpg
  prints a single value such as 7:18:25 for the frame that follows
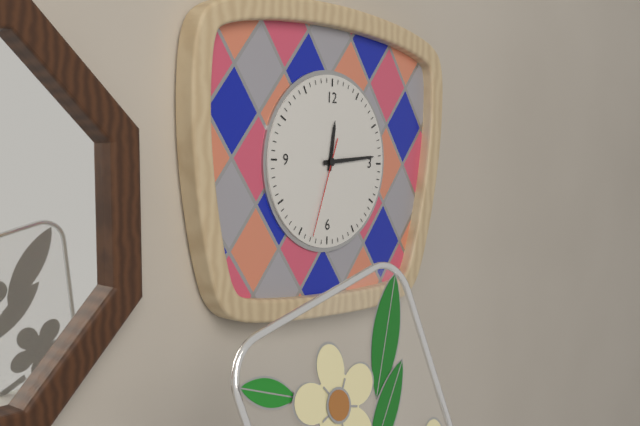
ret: 12:14:33
